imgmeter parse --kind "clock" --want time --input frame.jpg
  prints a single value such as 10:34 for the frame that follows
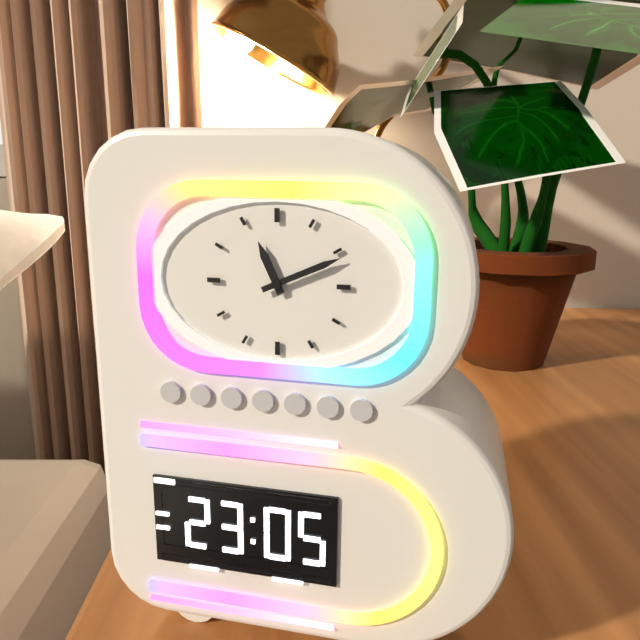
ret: 11:11
